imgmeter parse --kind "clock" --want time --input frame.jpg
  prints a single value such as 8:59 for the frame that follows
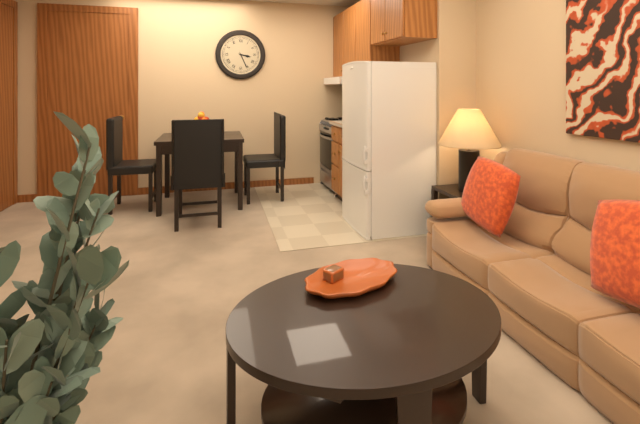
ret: 3:26
